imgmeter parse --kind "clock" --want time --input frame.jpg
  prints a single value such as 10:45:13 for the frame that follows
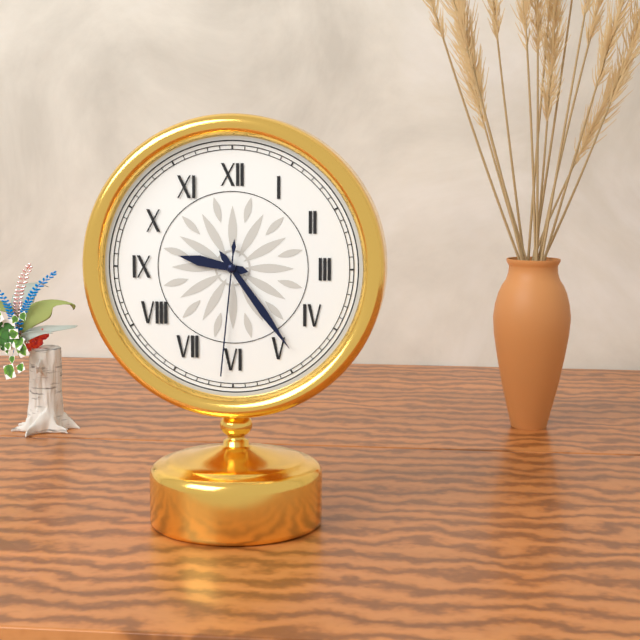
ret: 9:24:31
